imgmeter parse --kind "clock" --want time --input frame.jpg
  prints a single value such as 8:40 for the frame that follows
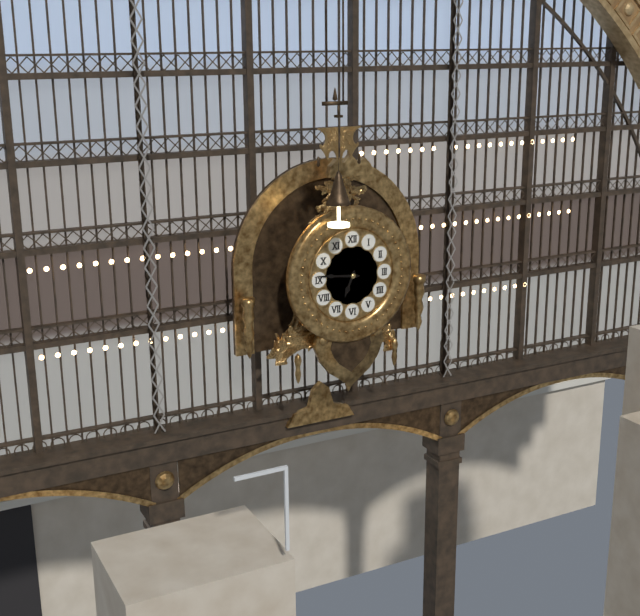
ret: 6:46
